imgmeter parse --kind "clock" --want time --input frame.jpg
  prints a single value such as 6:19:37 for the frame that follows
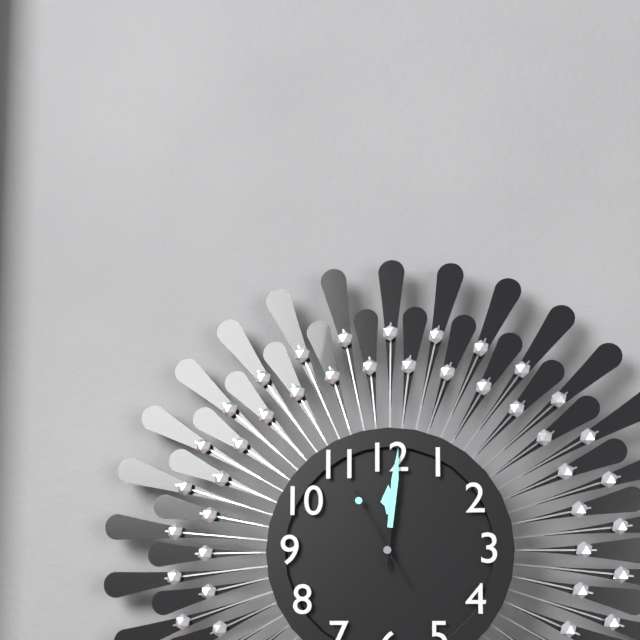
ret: 12:01:55
